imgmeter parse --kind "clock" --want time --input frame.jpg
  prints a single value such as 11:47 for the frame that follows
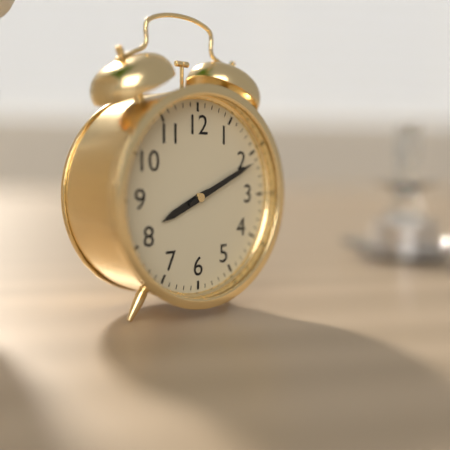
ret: 8:11
